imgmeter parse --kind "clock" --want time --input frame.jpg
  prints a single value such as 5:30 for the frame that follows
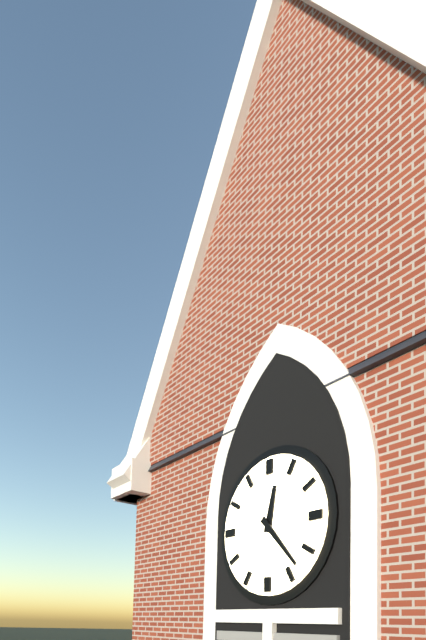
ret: 12:23
